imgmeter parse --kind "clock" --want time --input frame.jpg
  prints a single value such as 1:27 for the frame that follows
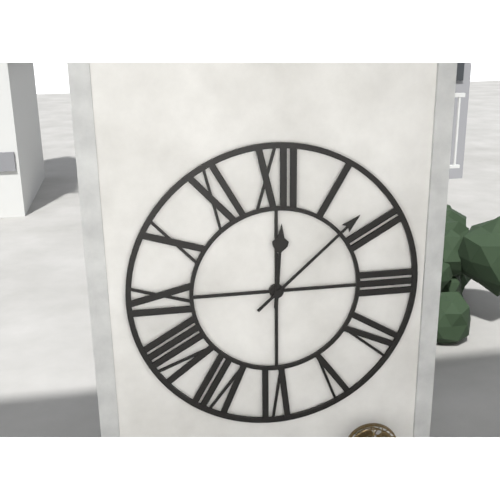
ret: 12:08
